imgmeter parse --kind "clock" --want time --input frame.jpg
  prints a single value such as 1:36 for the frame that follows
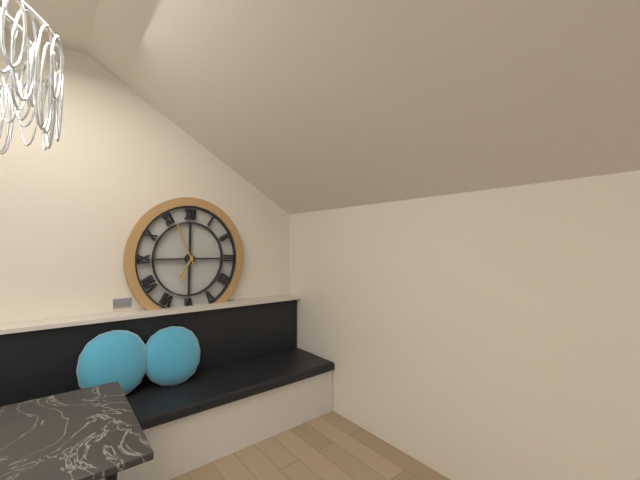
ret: 6:56
